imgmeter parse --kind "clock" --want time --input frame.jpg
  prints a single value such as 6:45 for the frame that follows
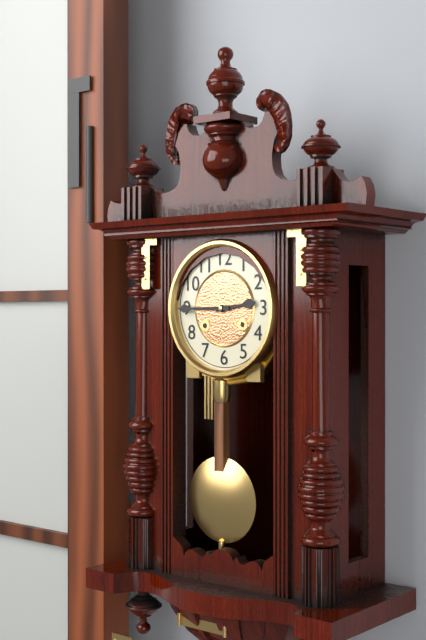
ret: 2:45
